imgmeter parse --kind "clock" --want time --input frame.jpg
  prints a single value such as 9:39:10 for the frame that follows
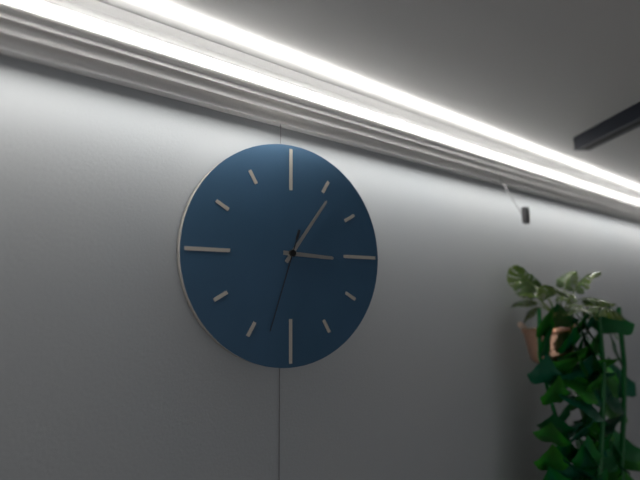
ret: 3:06:33
